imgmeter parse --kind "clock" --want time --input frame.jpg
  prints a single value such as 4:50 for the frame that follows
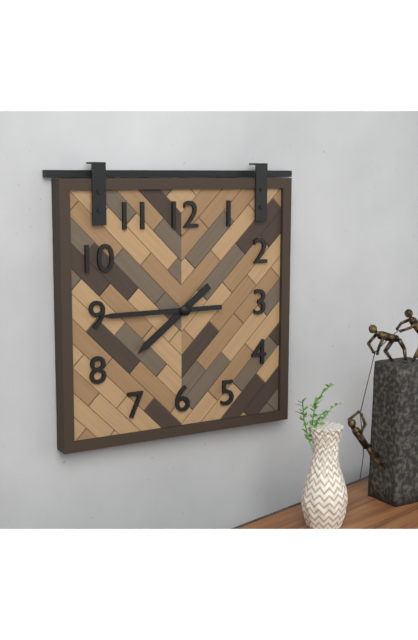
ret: 7:45
